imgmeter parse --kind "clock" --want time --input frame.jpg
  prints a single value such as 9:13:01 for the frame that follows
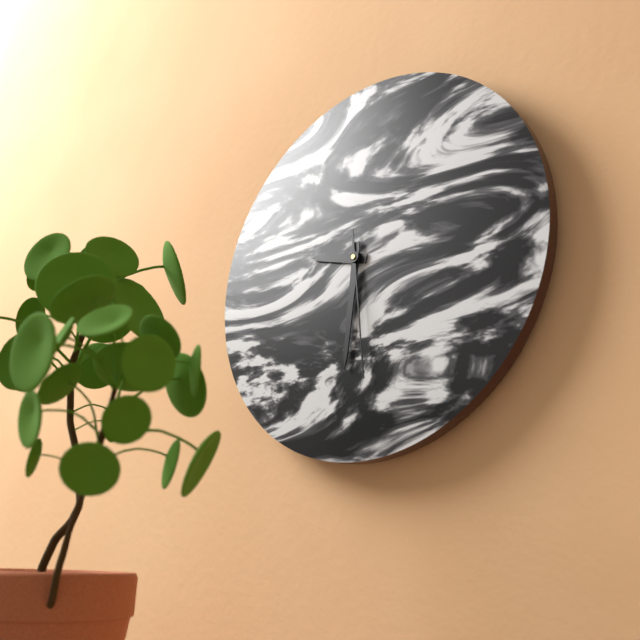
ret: 9:31:29
